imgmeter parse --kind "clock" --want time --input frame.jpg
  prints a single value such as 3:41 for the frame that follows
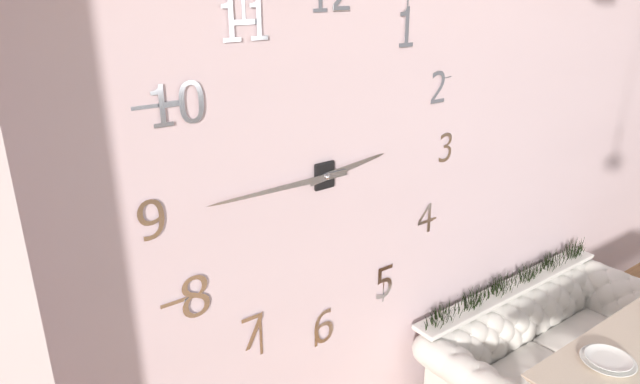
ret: 2:45
